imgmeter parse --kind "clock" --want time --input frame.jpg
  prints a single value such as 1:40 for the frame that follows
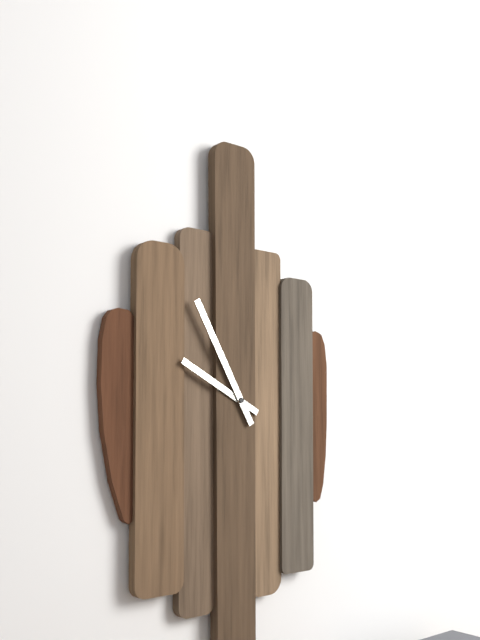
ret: 9:55
